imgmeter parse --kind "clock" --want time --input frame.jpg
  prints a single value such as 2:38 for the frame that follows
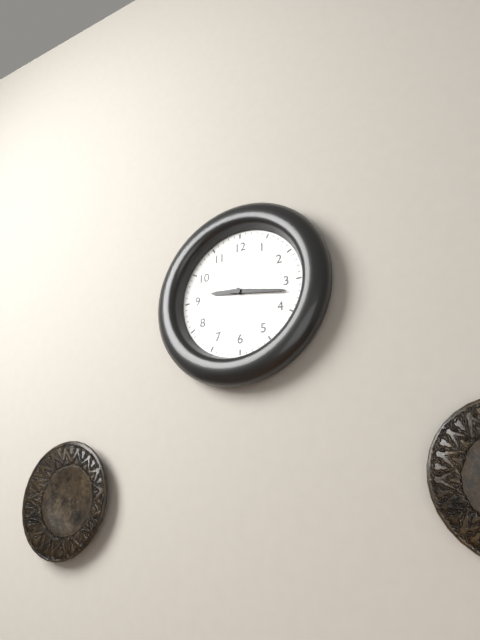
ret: 9:17
